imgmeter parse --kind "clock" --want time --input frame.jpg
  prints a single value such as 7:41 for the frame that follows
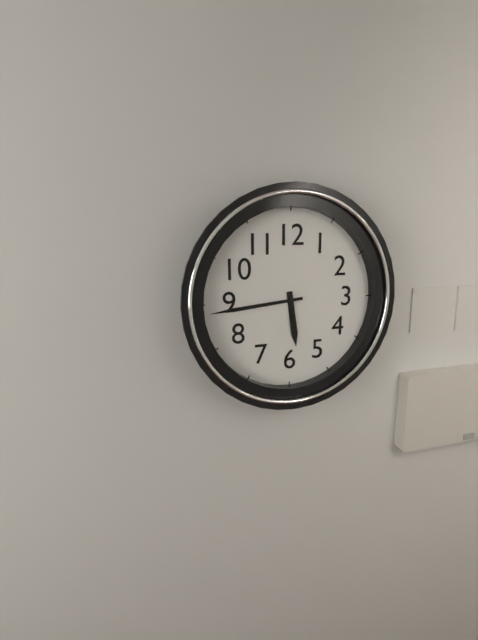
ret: 5:44
